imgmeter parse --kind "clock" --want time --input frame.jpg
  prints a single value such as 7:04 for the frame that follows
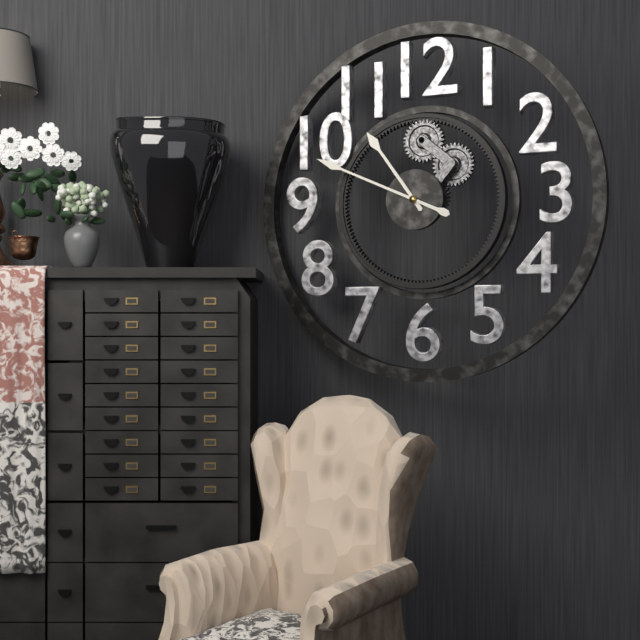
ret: 10:49
